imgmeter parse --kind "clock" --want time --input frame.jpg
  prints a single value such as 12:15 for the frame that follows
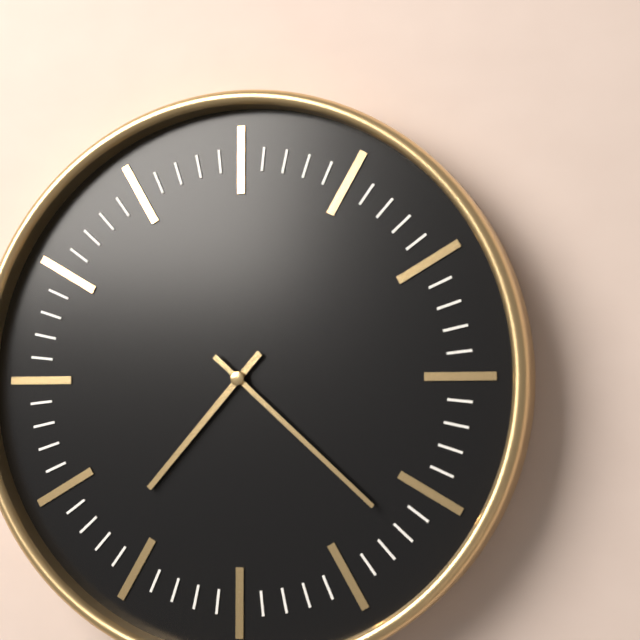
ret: 7:22
